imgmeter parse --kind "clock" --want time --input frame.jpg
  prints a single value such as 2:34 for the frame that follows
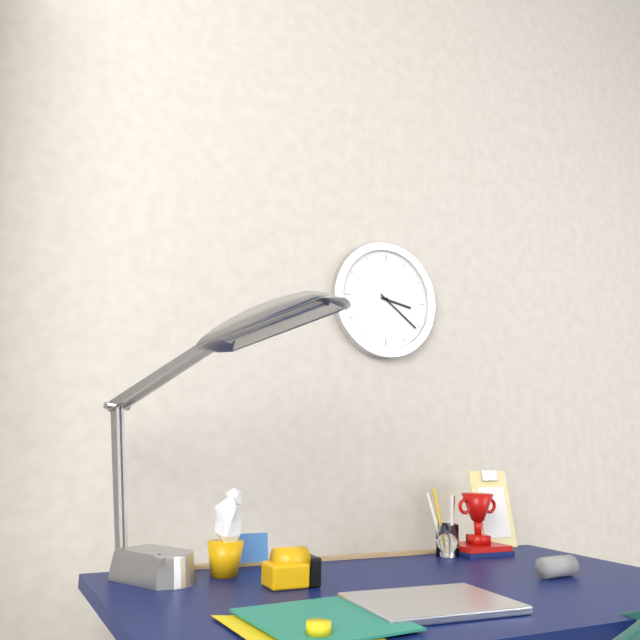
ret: 3:21
